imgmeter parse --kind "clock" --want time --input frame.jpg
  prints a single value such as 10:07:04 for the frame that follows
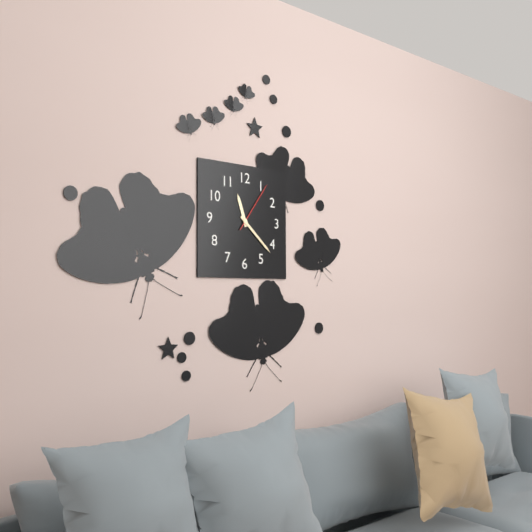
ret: 11:22:06
